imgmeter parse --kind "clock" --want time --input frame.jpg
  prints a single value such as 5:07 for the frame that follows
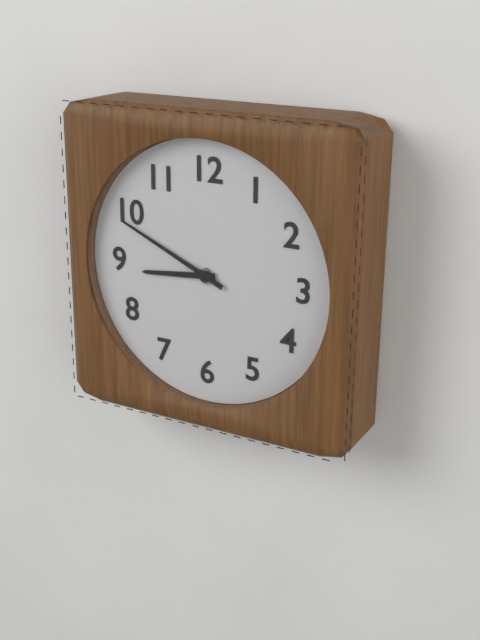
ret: 8:49
